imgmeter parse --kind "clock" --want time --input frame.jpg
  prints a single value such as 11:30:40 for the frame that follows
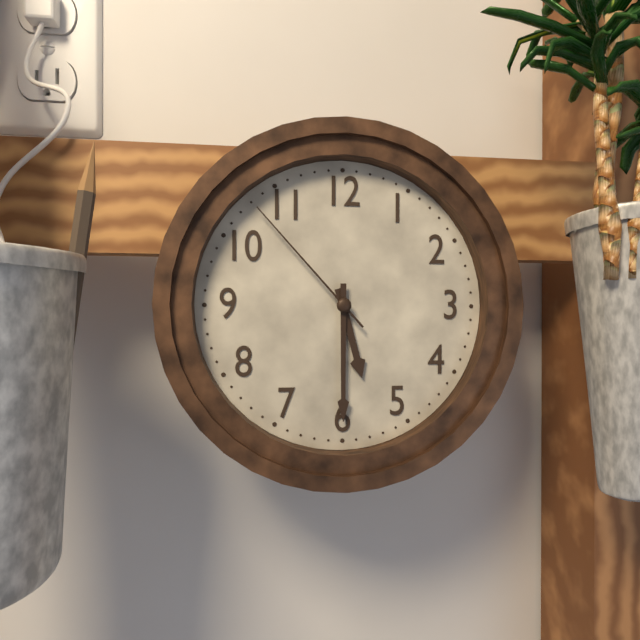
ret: 5:30:53
